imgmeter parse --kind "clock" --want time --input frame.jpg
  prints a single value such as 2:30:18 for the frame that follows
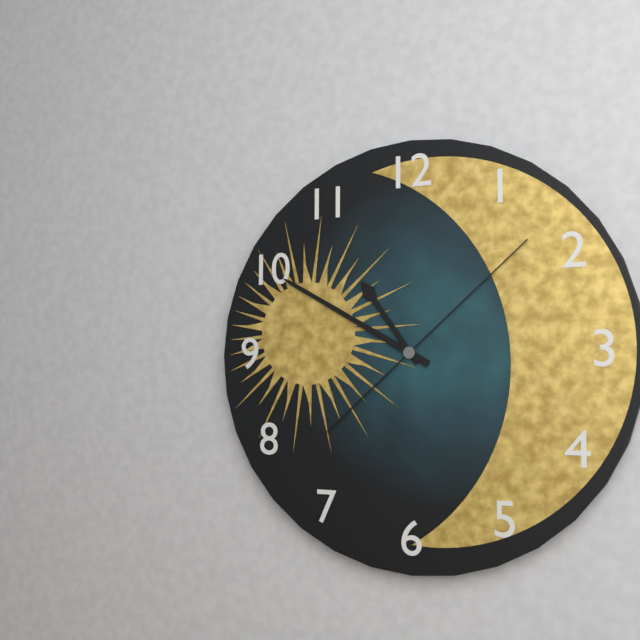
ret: 10:50:08
